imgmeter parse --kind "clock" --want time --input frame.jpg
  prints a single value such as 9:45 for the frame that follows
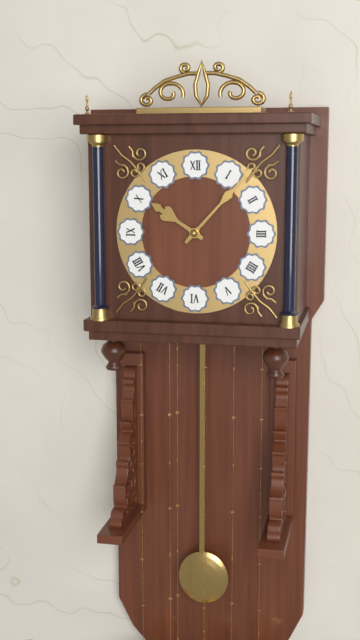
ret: 10:07
